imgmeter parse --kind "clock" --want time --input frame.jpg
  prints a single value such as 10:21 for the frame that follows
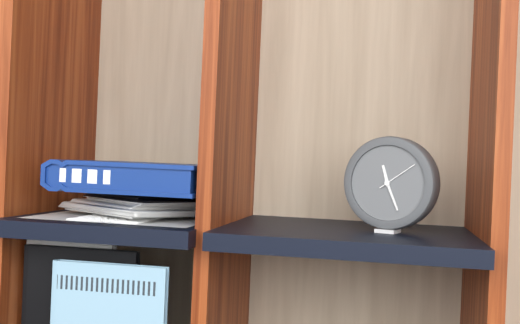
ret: 11:26
